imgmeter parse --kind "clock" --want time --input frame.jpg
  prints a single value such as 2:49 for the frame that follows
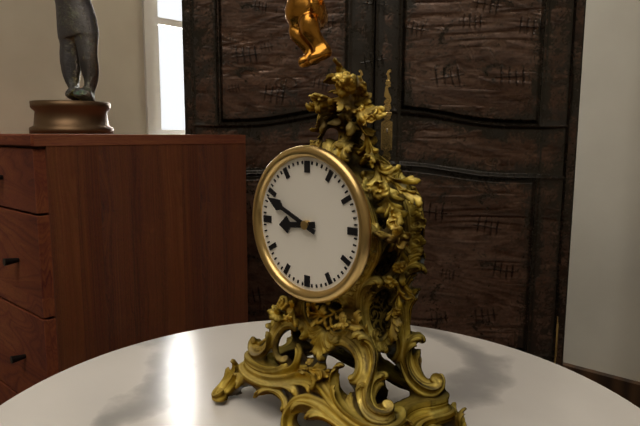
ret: 8:49
